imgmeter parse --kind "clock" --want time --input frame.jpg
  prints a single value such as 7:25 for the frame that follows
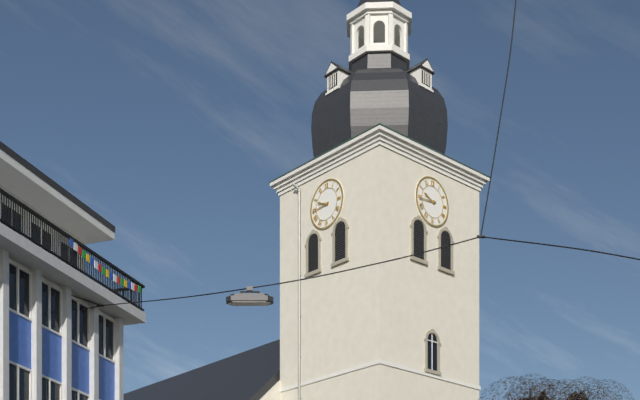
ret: 9:44
